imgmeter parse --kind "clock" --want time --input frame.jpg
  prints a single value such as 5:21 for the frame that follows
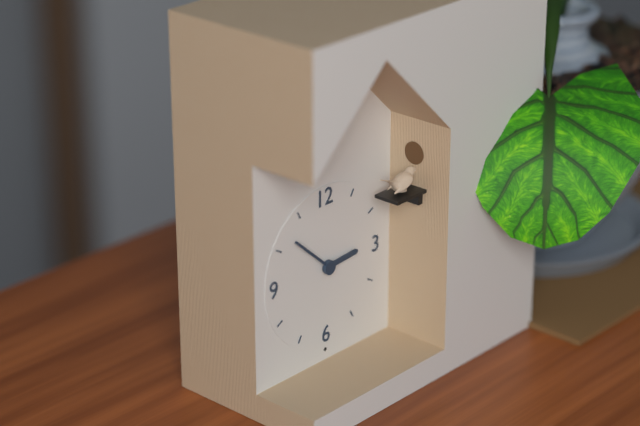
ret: 2:52
